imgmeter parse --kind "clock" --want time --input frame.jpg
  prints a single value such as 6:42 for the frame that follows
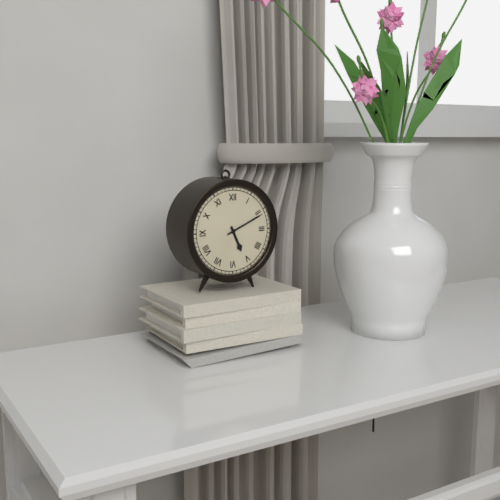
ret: 5:11
